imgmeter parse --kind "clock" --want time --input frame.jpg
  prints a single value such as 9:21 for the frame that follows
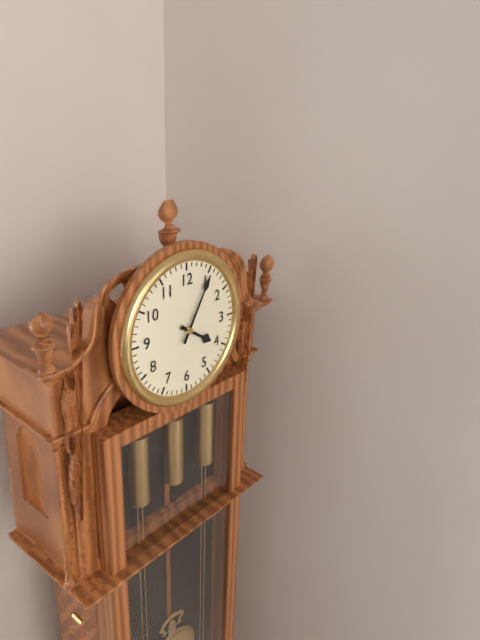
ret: 4:05
